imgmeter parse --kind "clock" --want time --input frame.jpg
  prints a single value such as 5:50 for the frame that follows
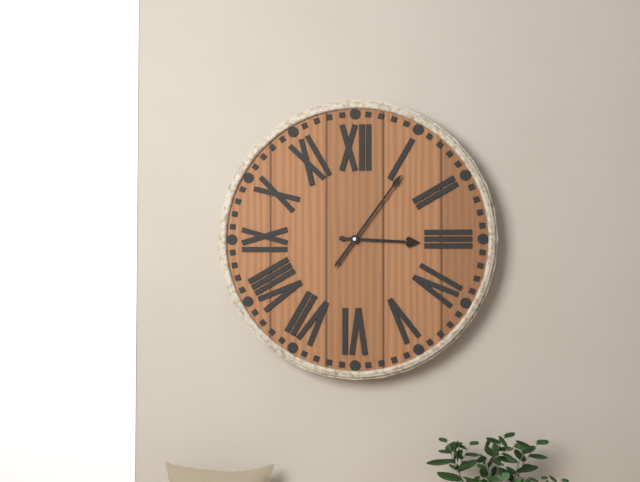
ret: 3:06
